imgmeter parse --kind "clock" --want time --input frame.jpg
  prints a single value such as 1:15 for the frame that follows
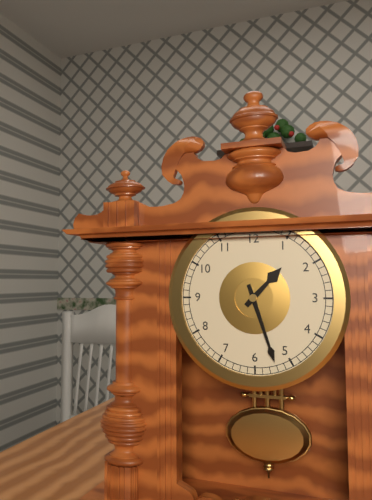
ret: 1:27
